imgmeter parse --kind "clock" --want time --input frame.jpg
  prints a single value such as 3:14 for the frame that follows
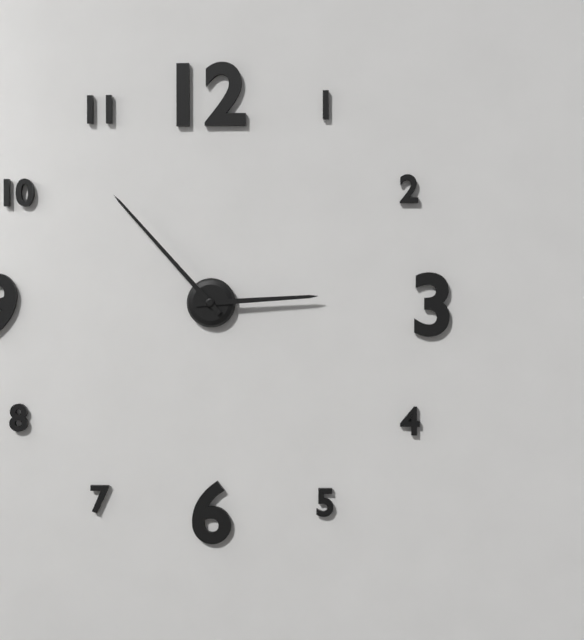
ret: 2:53
